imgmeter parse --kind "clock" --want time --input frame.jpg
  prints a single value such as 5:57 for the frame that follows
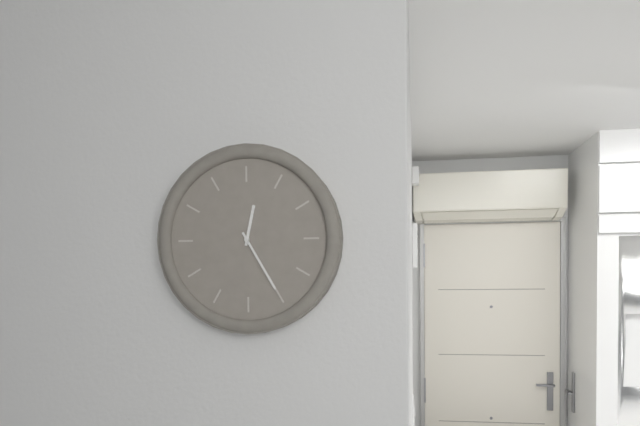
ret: 12:25
